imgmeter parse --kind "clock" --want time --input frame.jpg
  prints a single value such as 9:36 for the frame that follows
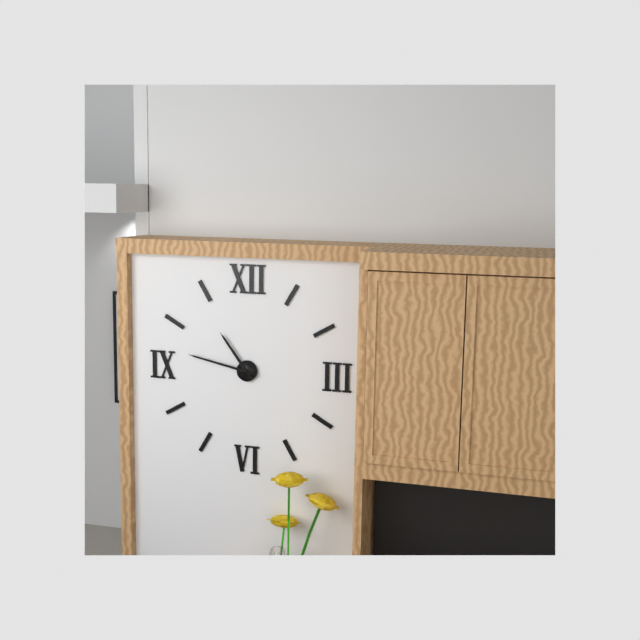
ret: 10:47
